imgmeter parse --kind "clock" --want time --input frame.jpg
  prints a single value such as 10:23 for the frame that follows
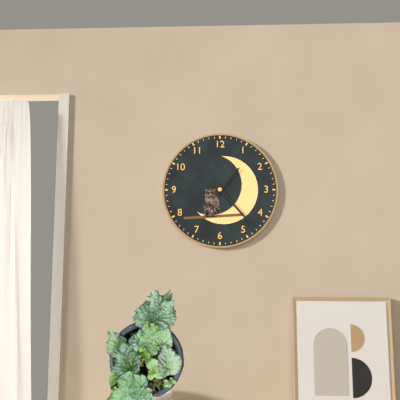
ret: 1:23
